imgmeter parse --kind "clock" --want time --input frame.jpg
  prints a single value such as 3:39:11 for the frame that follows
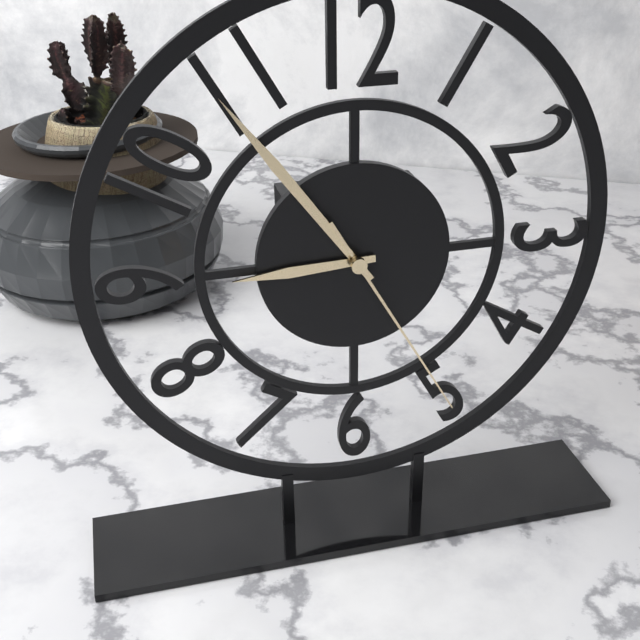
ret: 8:54:25
